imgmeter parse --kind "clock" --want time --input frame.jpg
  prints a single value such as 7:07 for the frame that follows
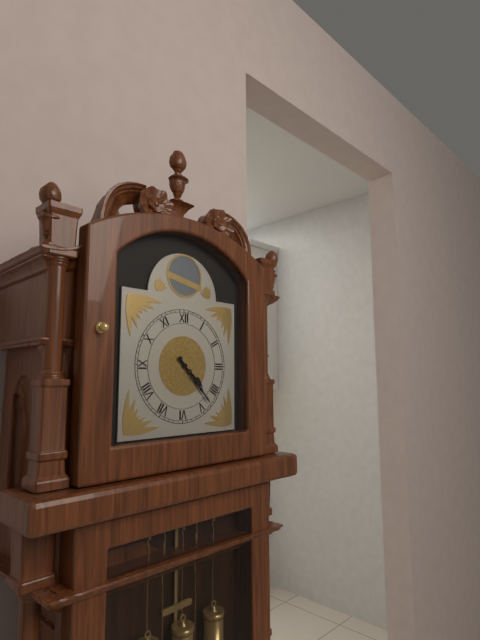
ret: 4:23
